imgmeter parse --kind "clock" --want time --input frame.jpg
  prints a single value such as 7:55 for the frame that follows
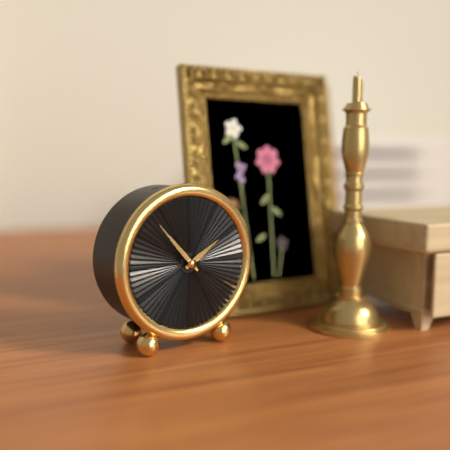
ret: 1:53
